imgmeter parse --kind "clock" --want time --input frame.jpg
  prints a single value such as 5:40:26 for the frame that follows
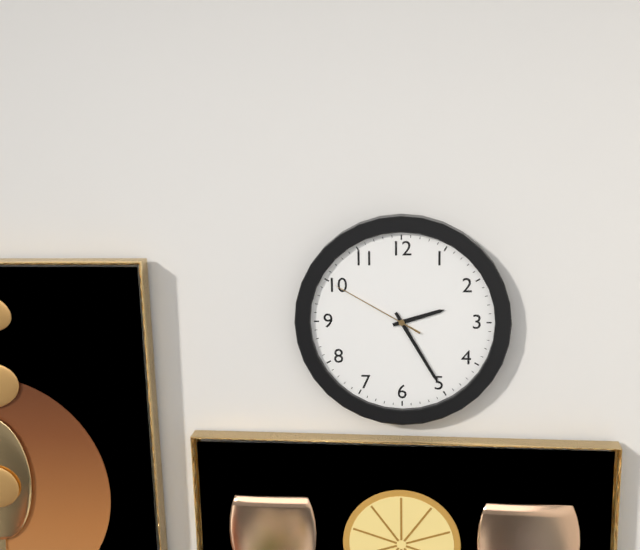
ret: 2:25:50
